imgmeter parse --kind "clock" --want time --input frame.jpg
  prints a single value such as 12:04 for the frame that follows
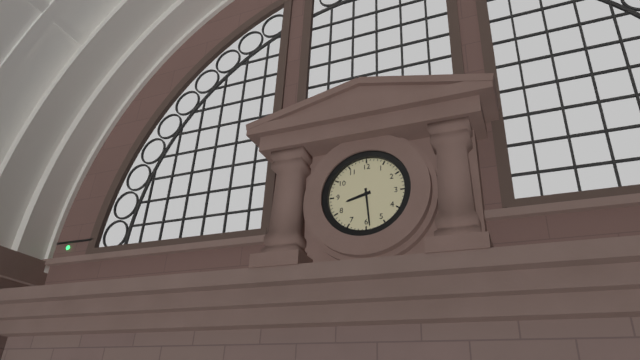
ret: 8:29
